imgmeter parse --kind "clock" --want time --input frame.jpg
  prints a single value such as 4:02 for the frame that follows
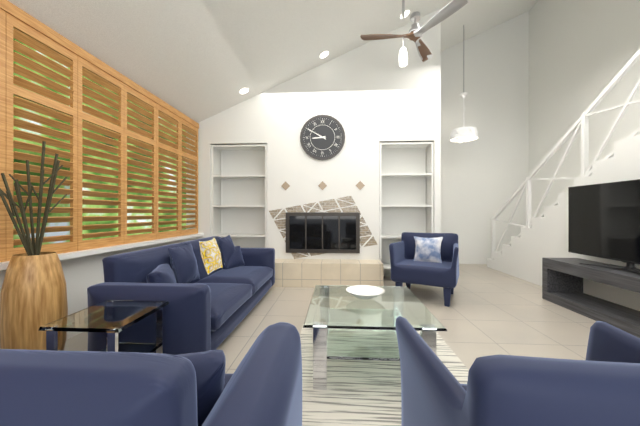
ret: 8:50
